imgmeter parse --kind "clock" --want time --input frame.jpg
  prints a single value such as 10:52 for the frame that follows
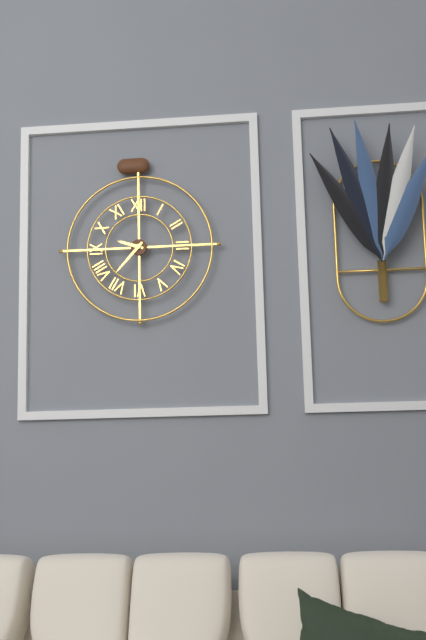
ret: 9:37
